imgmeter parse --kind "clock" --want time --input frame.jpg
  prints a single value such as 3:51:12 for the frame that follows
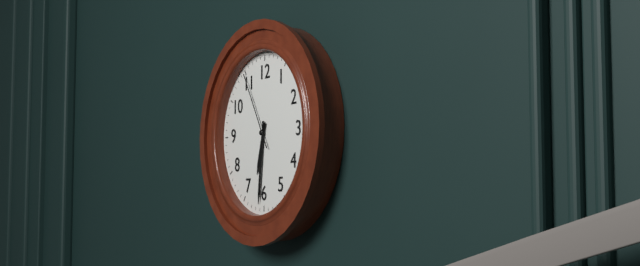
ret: 6:31:55
